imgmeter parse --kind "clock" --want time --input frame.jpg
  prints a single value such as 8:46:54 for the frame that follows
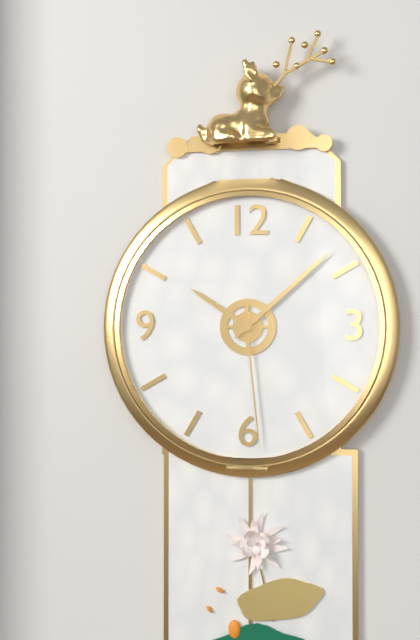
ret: 10:08:29
